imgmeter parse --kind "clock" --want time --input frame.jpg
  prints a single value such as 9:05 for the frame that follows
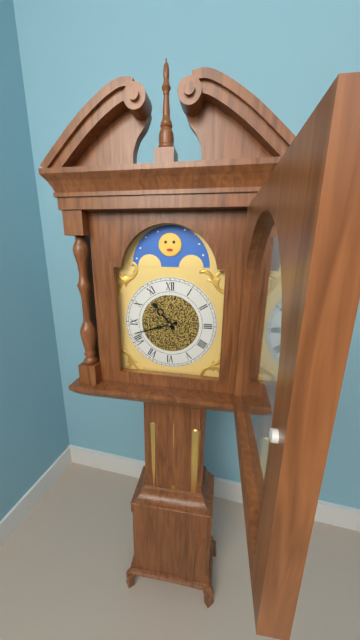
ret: 10:42
